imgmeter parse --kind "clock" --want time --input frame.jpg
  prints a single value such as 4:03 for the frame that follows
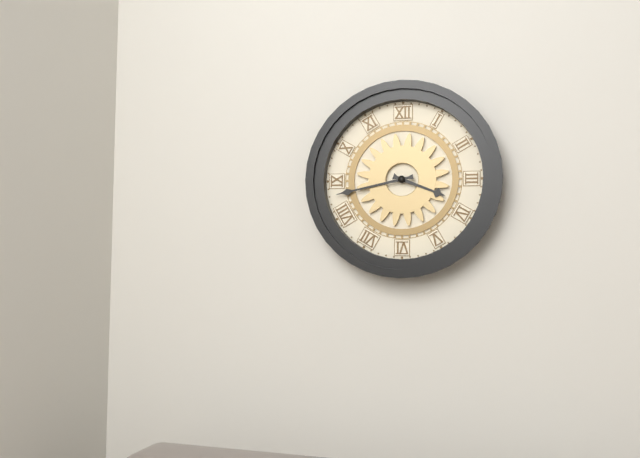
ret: 3:43
